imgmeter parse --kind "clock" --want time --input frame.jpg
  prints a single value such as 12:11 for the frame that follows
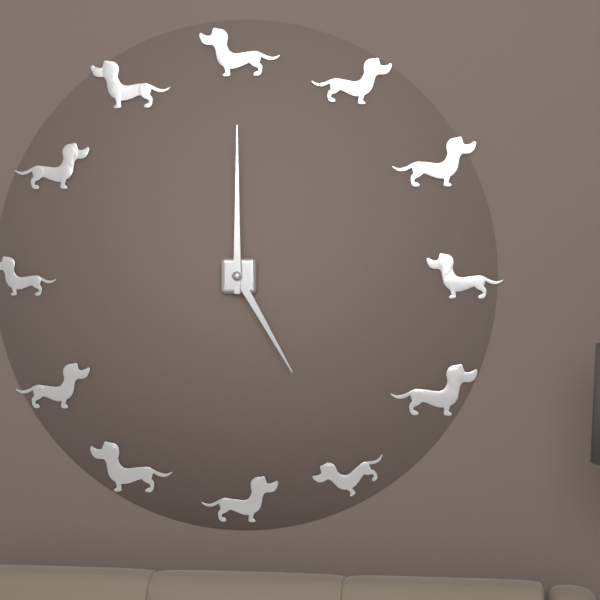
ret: 5:00
